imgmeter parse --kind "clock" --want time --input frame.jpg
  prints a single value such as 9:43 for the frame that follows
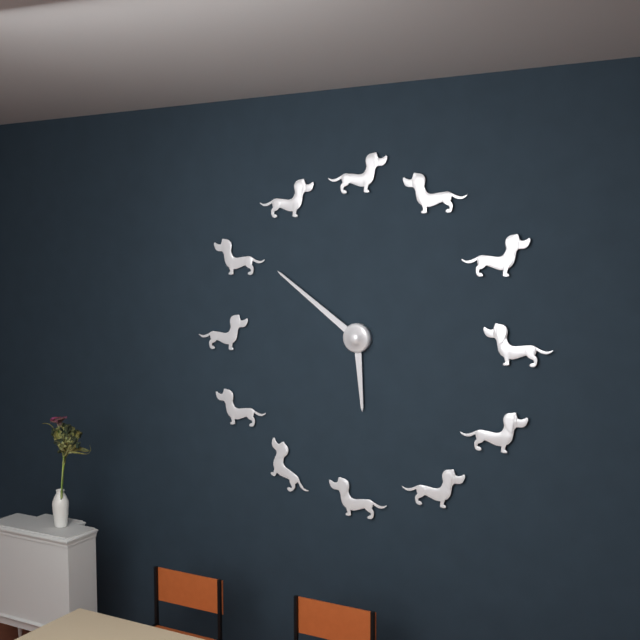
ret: 5:51
